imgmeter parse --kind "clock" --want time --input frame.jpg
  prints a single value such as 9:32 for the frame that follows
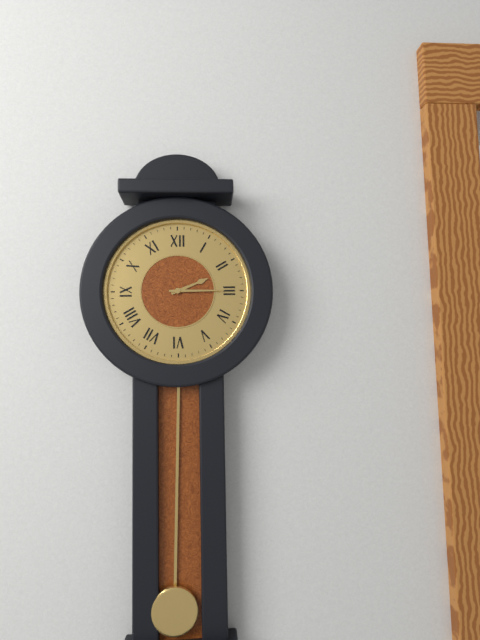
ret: 2:15
